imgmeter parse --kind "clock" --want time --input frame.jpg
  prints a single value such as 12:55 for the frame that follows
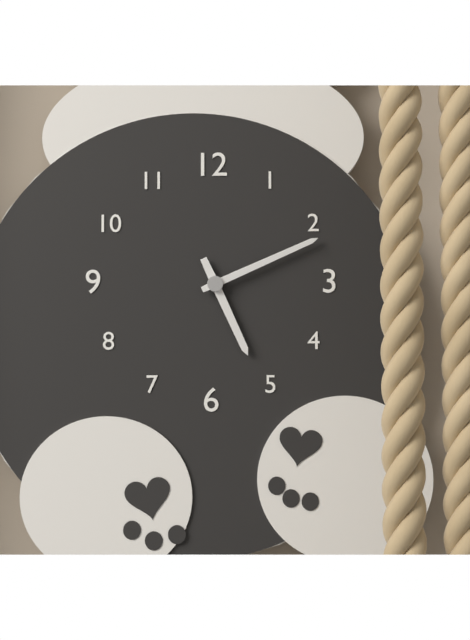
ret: 5:11
